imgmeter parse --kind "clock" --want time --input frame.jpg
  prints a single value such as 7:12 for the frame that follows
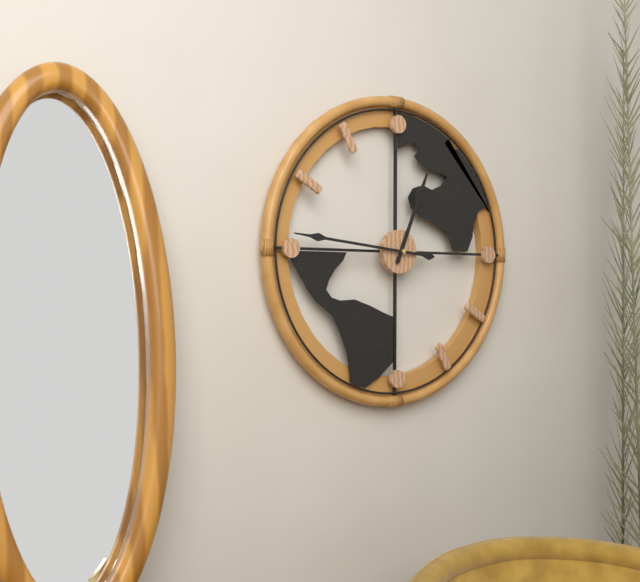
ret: 12:46
